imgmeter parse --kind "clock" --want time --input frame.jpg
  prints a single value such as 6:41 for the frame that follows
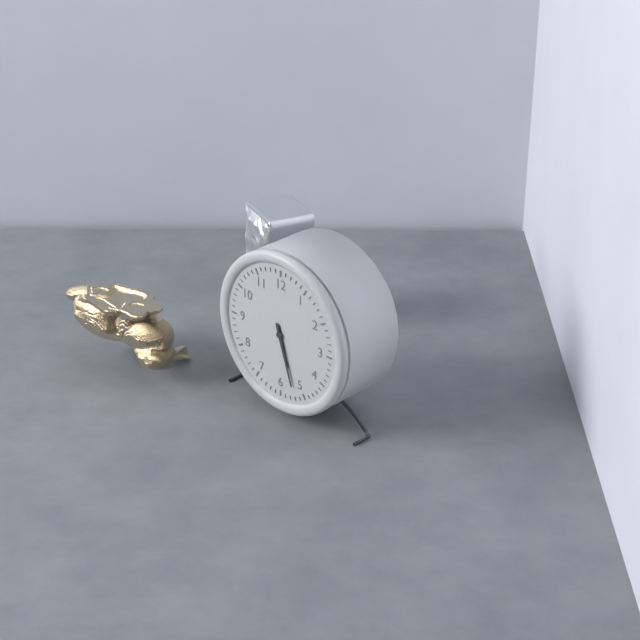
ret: 5:27
